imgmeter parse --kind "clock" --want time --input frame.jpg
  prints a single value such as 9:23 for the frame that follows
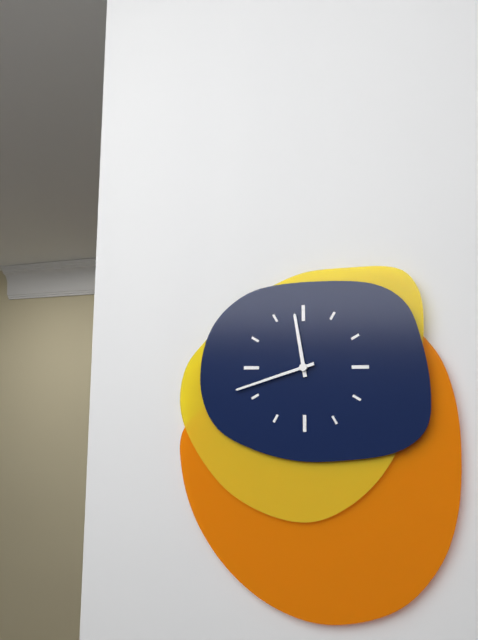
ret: 11:42
